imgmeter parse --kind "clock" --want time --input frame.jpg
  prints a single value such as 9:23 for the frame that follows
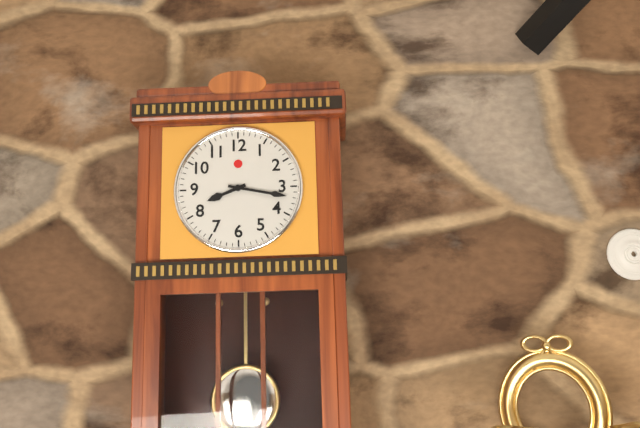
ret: 8:17
